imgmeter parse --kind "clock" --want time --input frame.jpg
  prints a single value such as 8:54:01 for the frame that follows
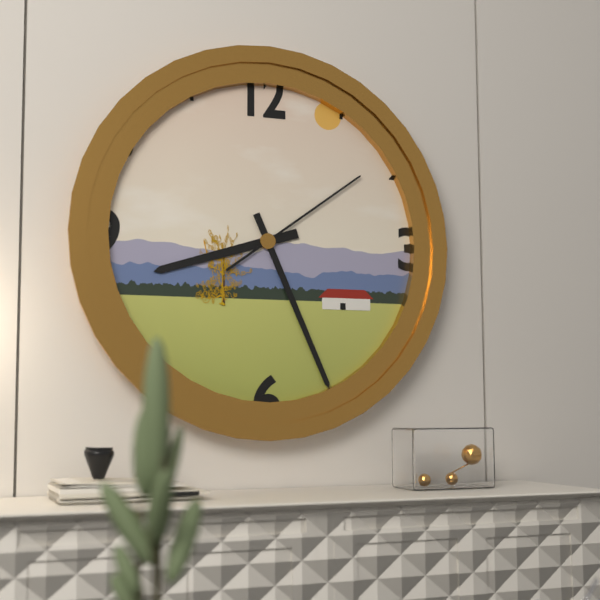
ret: 8:26:09
